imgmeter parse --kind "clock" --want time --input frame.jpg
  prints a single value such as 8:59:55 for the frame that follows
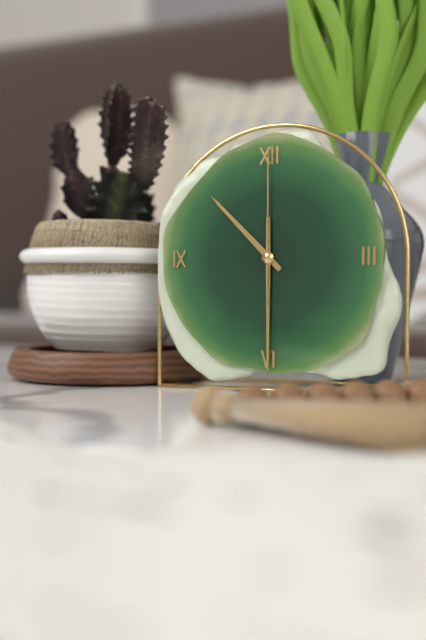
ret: 10:30:00
